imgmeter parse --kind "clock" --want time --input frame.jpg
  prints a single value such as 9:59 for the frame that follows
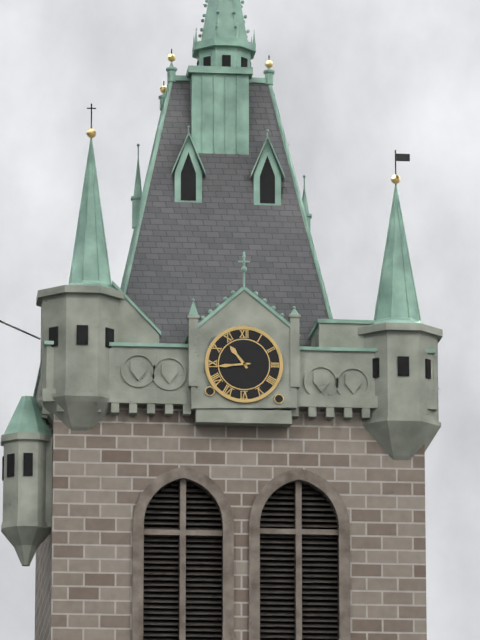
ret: 10:44
